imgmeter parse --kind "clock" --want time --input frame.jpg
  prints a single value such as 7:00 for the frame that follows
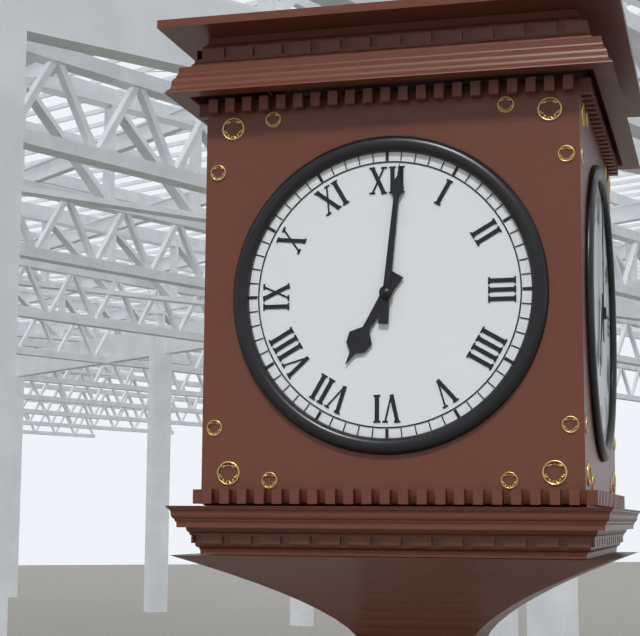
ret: 7:01
